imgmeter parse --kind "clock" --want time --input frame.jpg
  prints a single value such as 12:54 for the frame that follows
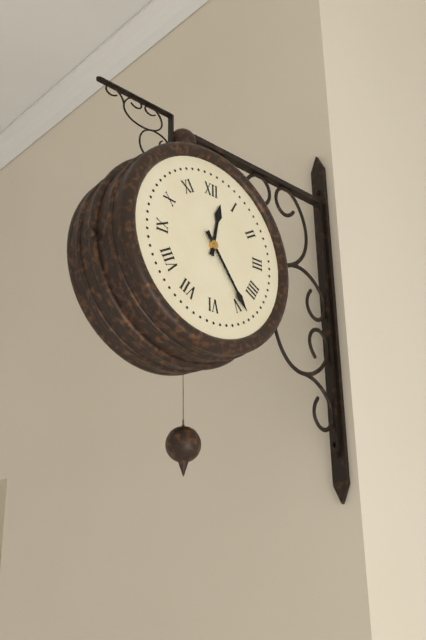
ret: 12:24
